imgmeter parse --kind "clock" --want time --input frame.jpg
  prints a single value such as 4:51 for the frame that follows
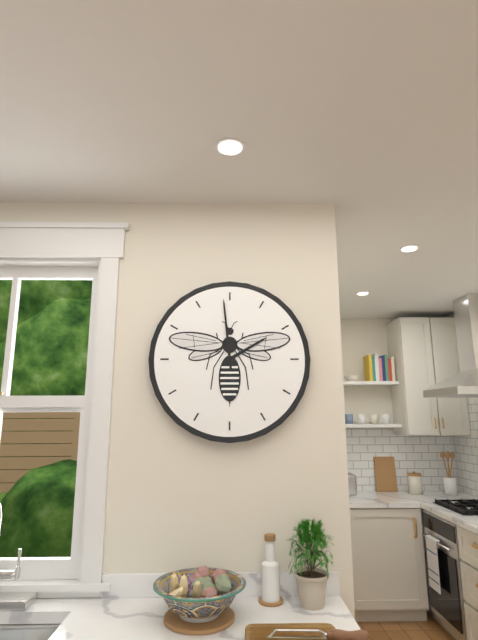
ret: 1:59
